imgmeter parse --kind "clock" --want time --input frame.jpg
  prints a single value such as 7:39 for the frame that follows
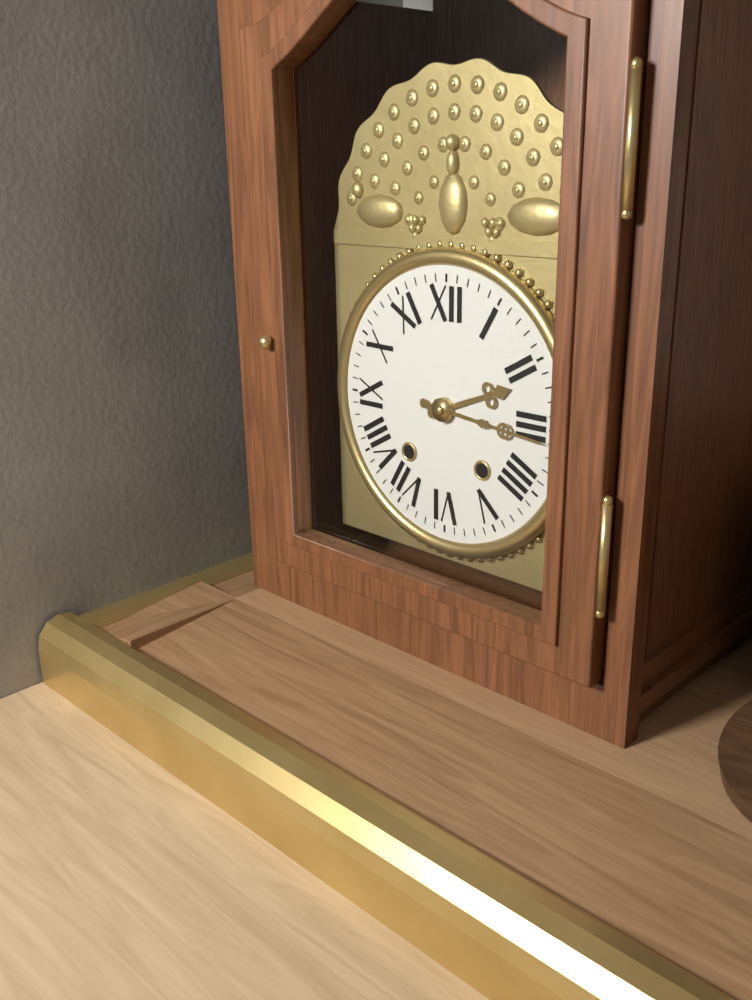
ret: 2:16
